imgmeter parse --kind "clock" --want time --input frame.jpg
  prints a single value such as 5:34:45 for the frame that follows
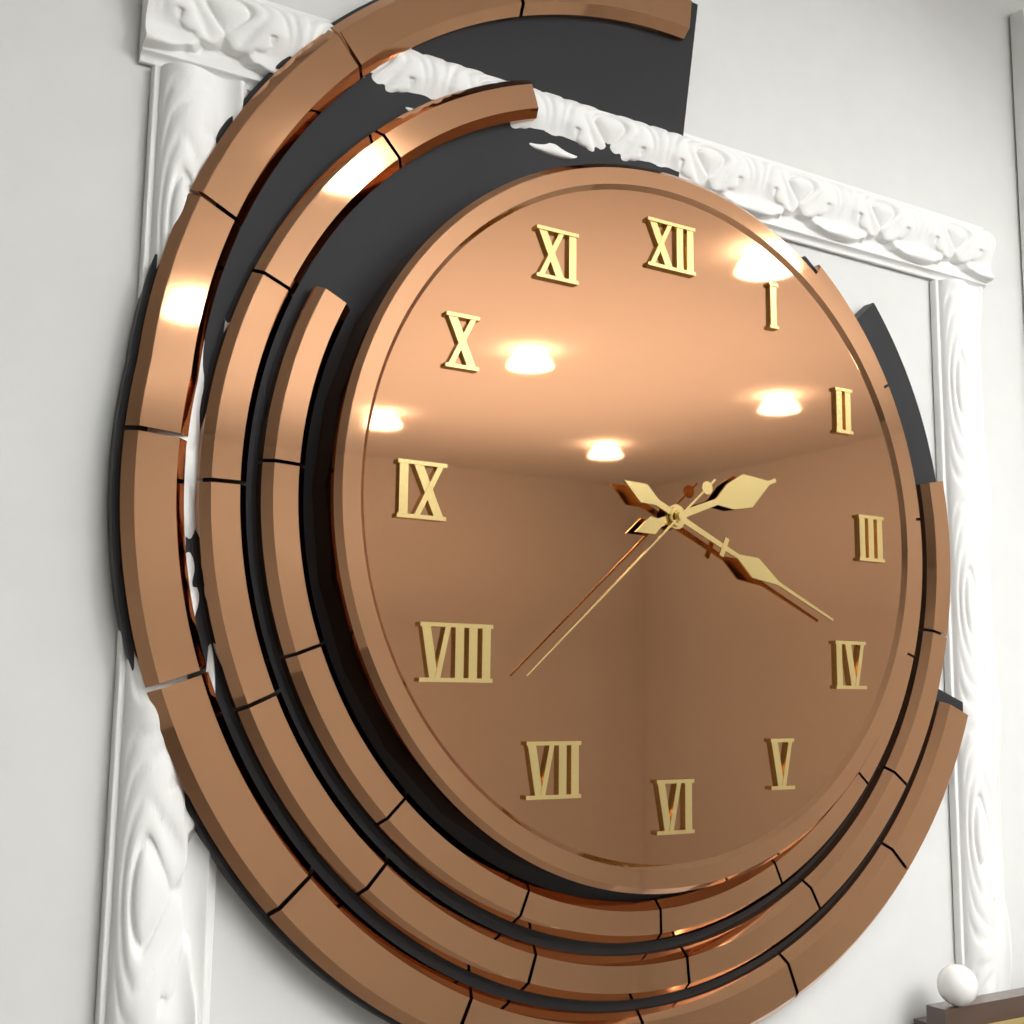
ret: 2:19:38
